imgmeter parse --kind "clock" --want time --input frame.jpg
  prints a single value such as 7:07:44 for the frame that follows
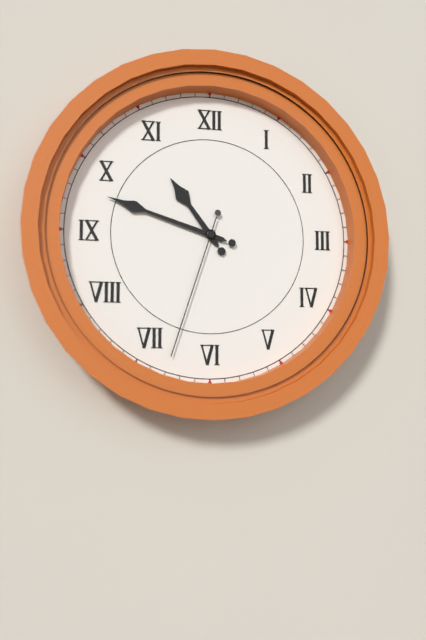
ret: 10:48:33
